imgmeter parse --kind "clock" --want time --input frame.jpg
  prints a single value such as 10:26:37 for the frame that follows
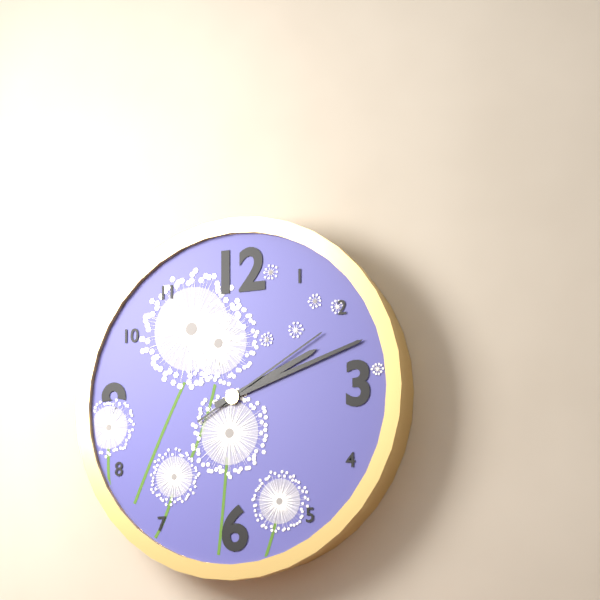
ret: 2:12:10
